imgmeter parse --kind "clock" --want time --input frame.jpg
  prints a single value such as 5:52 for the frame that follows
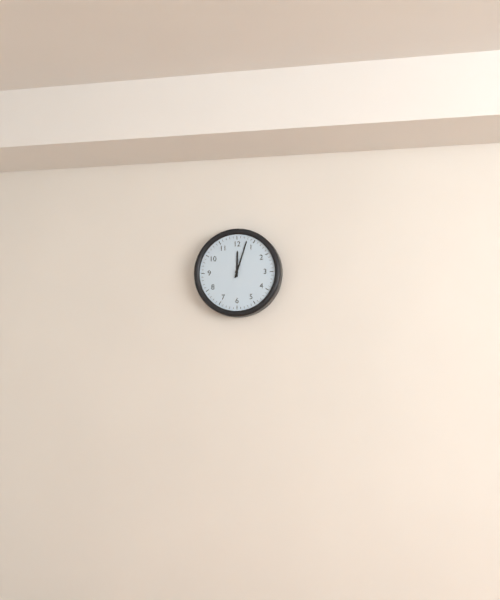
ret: 12:03
